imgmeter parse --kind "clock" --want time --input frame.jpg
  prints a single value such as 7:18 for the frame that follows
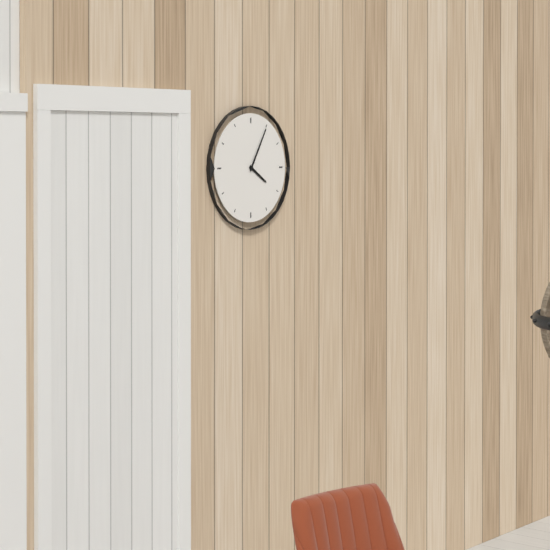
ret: 4:05
